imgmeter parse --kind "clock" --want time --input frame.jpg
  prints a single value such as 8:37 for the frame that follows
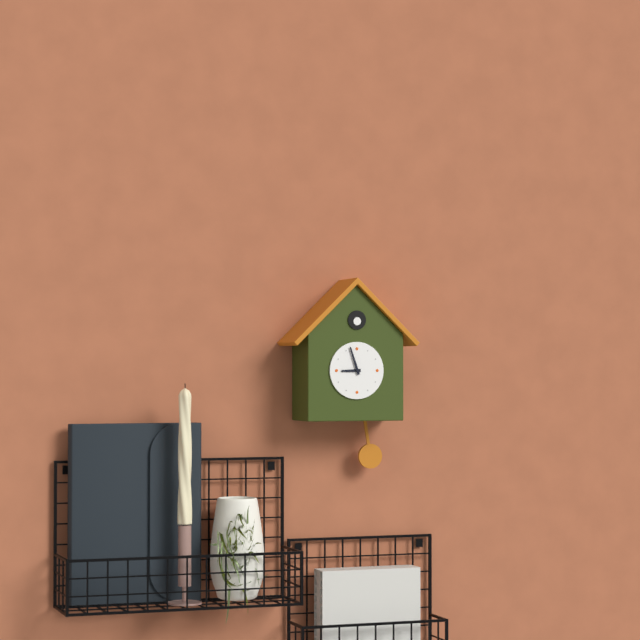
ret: 8:57
